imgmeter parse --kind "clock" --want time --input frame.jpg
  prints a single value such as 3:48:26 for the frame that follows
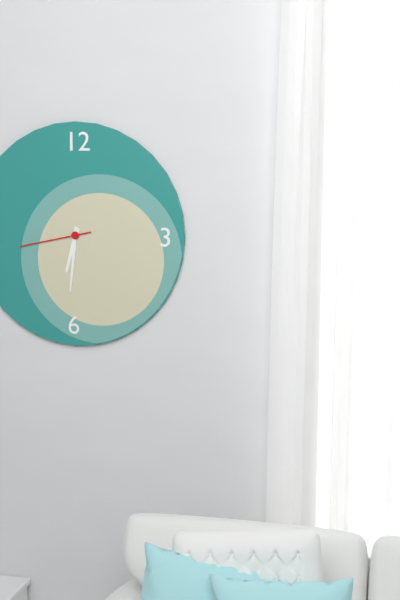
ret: 6:31:43
